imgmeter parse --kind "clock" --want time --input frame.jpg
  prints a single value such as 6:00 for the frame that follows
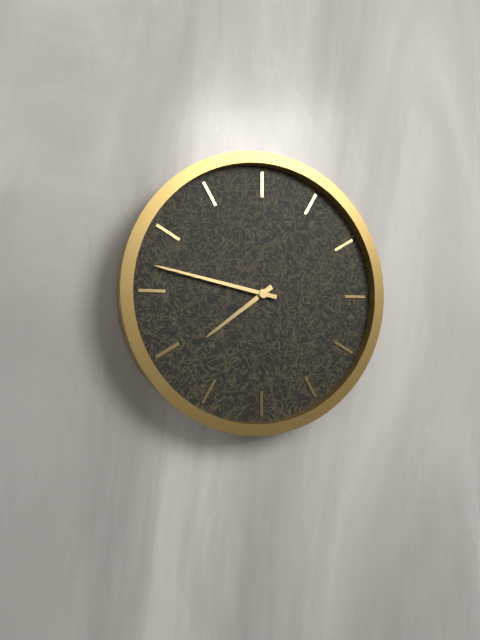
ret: 7:47
